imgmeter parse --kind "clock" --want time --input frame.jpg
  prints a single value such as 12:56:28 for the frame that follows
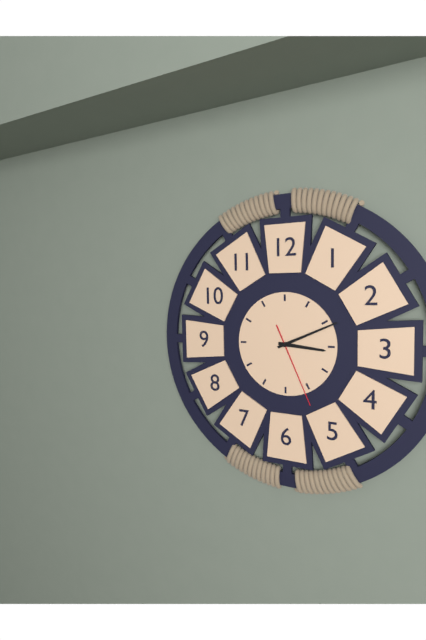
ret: 3:11:26
